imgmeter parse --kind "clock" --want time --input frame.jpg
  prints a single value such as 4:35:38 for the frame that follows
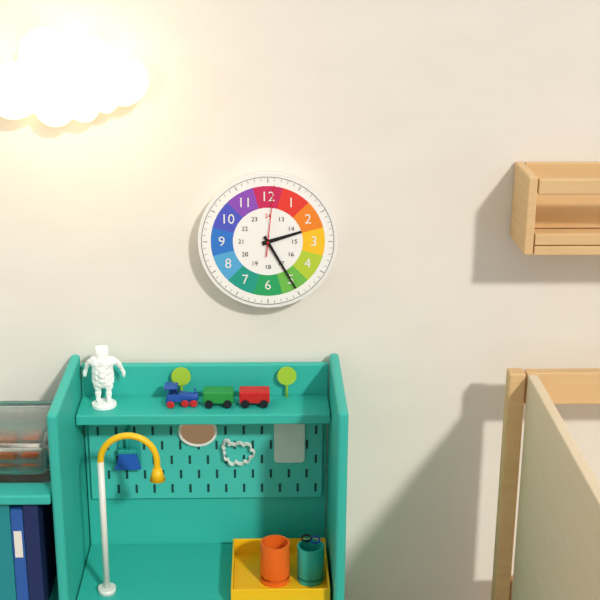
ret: 2:25:01
